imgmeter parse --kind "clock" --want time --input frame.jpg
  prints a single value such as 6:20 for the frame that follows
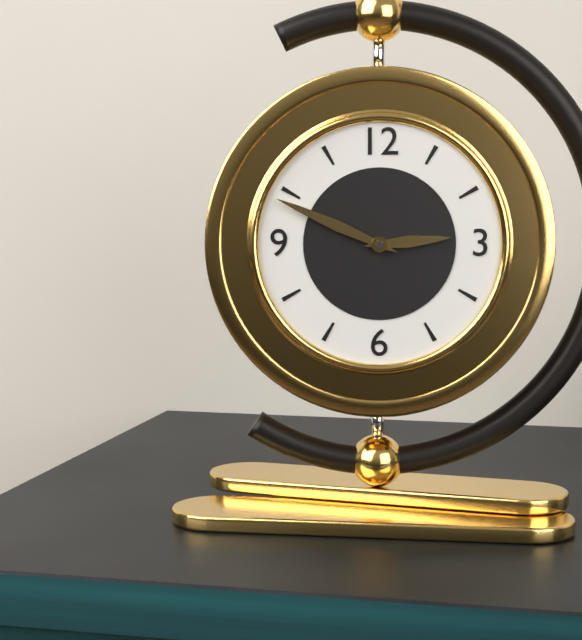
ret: 2:49
